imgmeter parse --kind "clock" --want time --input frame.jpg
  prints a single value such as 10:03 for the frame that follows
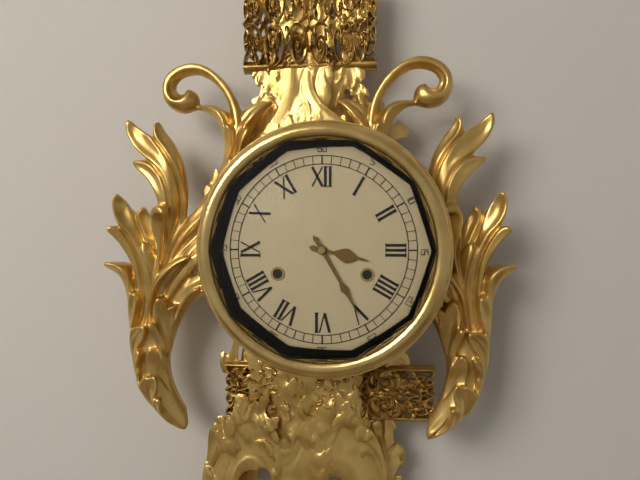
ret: 3:25
